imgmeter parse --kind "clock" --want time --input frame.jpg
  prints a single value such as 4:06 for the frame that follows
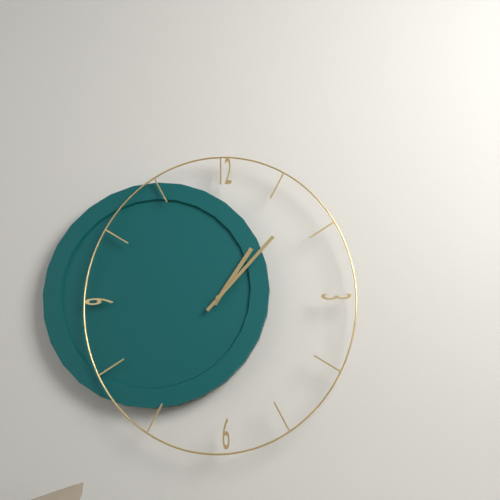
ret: 1:07
